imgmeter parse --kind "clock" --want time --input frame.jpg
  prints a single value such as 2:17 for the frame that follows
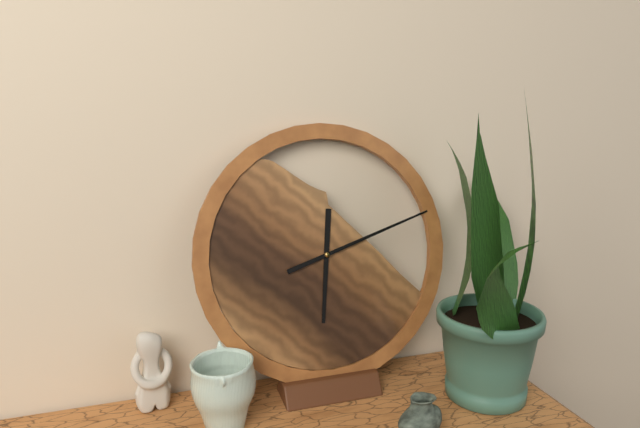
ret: 6:12
